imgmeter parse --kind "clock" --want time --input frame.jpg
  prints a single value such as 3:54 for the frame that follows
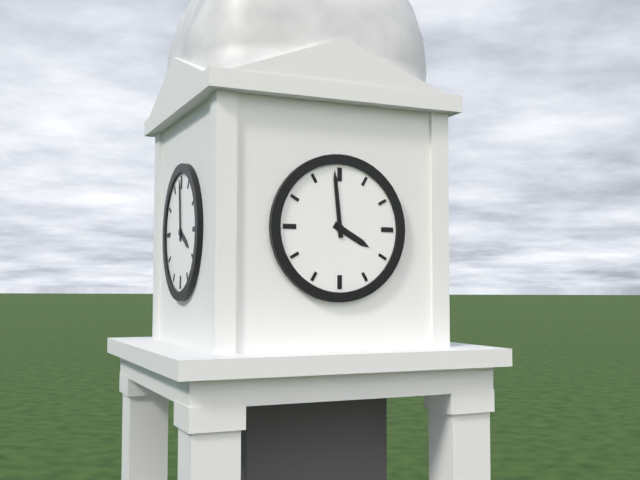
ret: 3:59
